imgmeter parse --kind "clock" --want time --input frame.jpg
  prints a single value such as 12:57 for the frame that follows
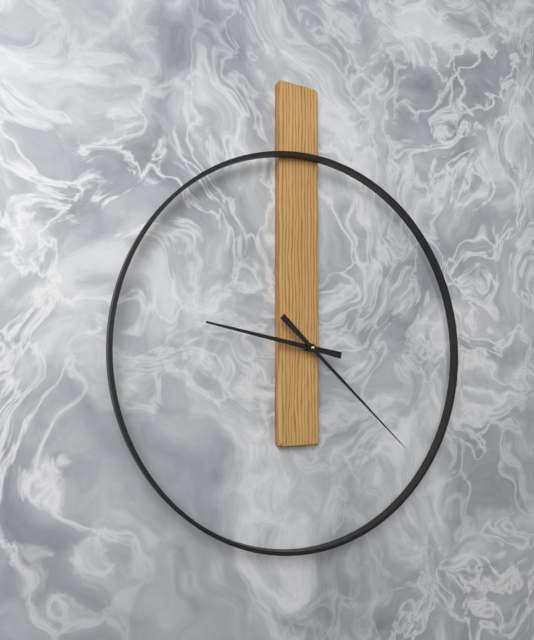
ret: 9:22
